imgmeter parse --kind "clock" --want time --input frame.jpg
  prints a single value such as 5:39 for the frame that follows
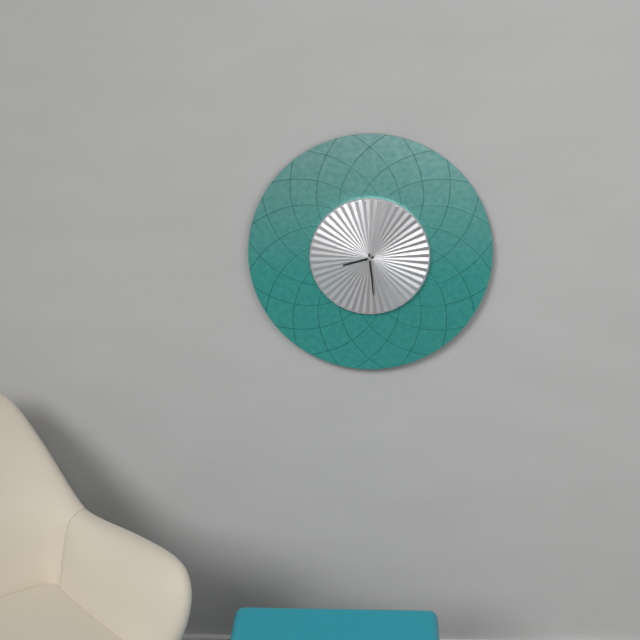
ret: 8:29
